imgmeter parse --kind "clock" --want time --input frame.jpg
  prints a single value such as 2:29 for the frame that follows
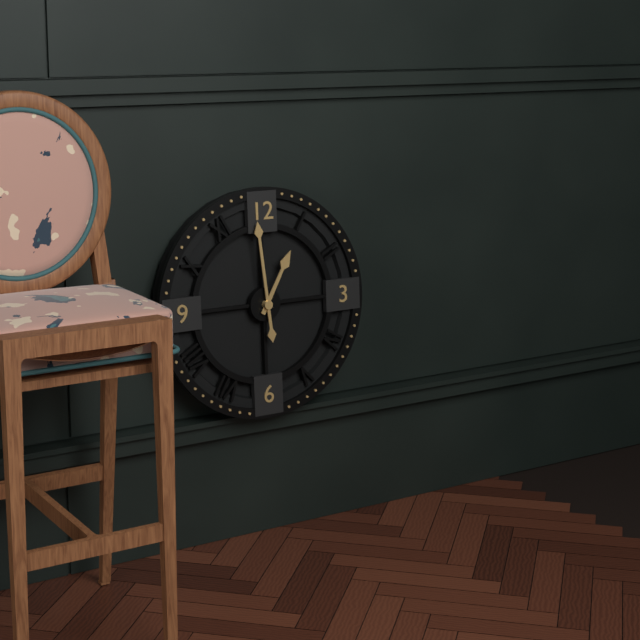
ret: 12:59
